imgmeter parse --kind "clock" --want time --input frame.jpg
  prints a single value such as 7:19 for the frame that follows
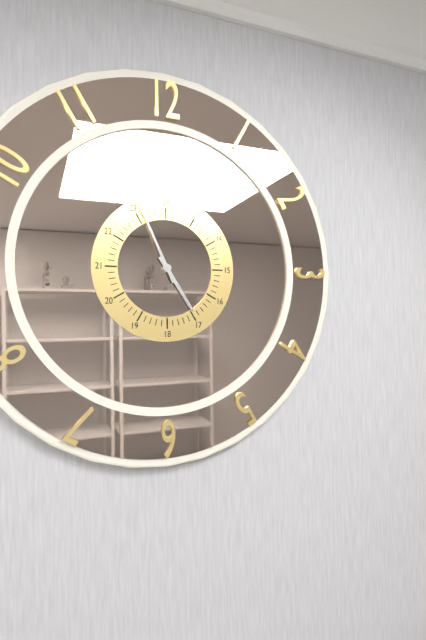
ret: 4:56
